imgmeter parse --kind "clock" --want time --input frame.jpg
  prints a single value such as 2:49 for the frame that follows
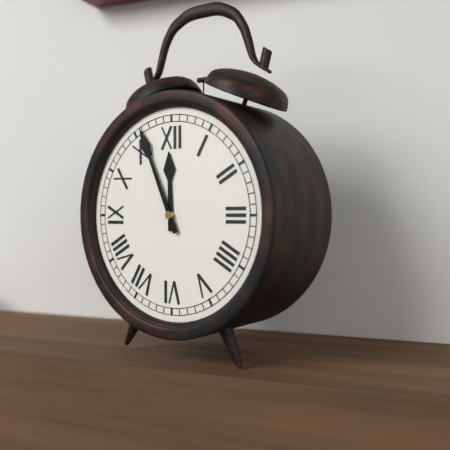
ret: 11:56
